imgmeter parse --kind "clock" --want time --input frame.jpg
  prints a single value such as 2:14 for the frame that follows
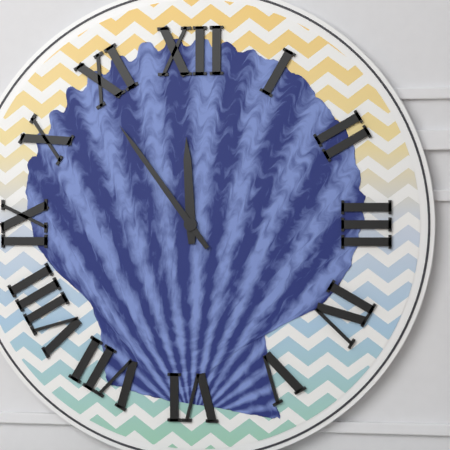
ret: 11:54
